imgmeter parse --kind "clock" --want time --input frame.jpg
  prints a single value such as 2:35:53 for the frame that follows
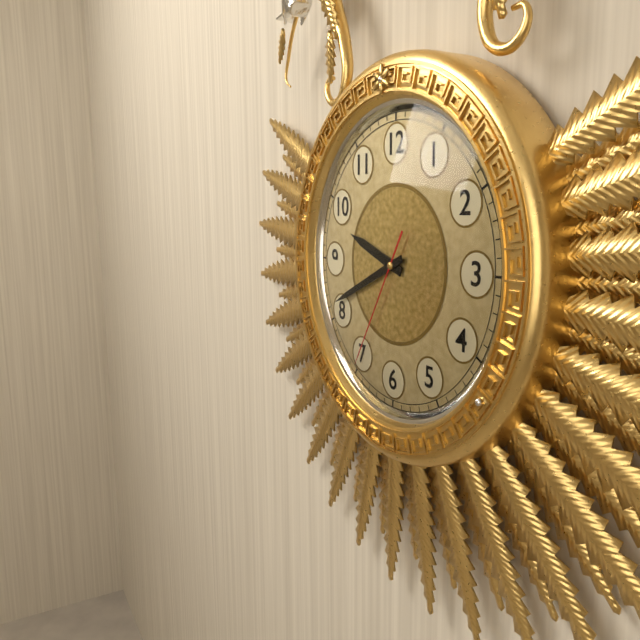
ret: 9:41:35
